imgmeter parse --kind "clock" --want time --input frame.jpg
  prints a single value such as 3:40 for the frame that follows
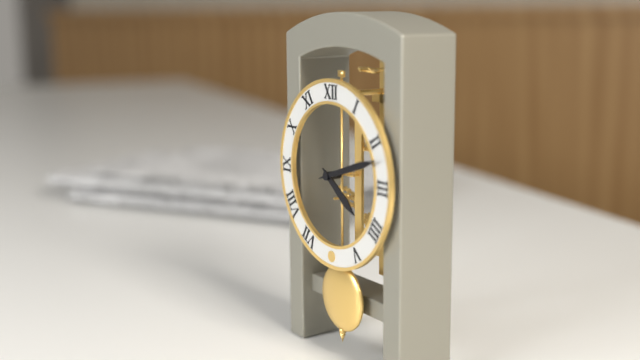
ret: 4:12
